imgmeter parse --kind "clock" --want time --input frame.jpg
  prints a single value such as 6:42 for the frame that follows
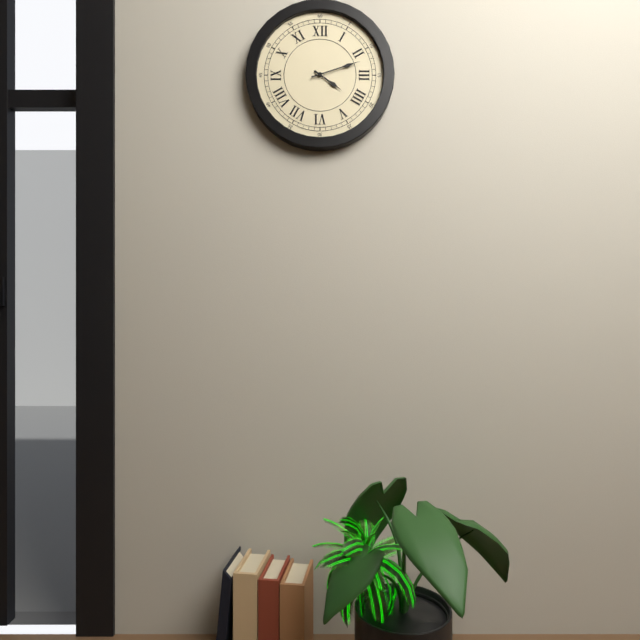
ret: 4:12
